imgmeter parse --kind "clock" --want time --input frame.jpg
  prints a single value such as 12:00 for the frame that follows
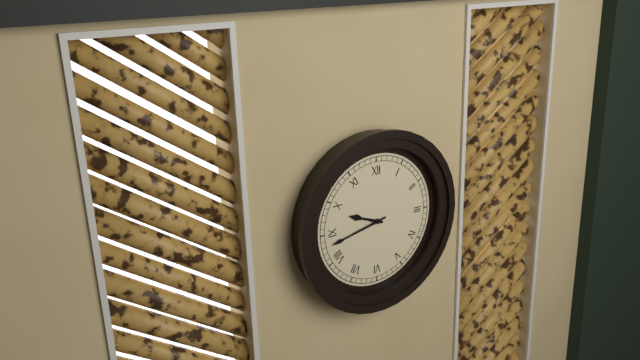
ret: 9:43
